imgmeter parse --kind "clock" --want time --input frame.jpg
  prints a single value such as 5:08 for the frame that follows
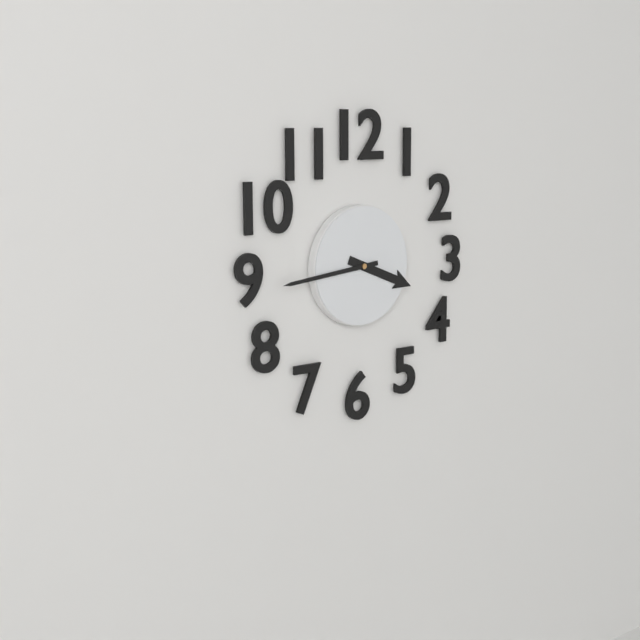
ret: 3:44
